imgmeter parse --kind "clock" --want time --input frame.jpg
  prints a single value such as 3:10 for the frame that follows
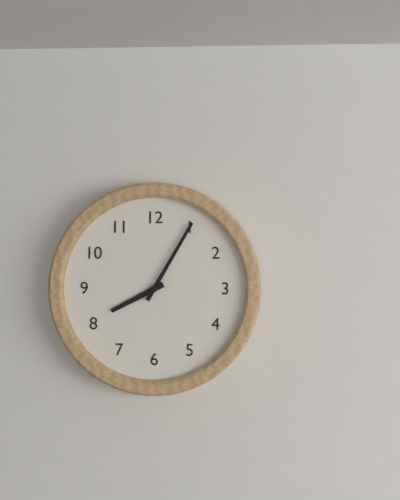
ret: 8:05
